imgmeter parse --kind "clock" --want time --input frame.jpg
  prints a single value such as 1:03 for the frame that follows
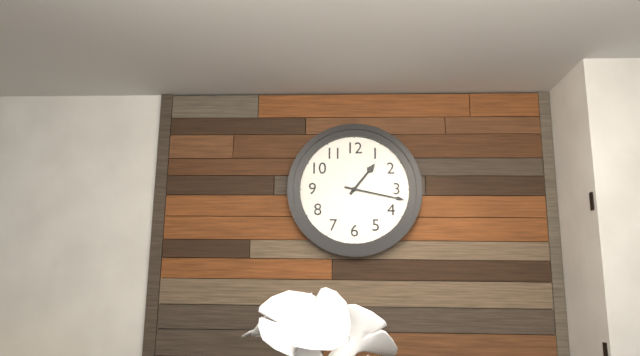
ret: 1:17
